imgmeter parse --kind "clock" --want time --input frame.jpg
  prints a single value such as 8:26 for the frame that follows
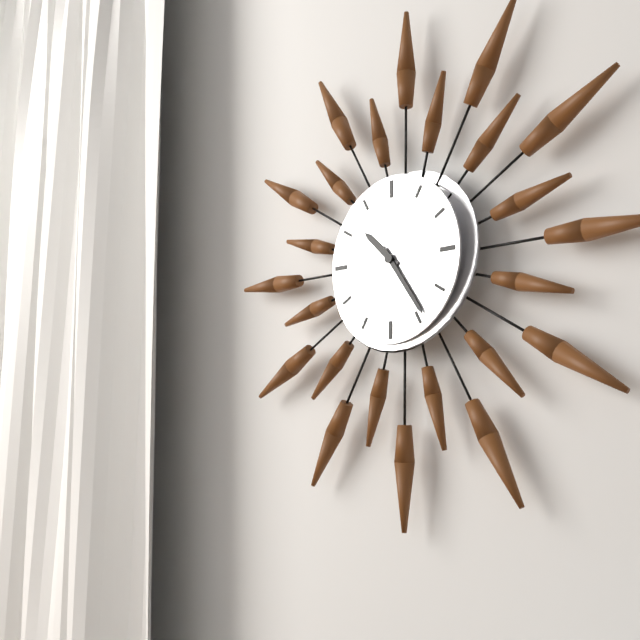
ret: 10:24
